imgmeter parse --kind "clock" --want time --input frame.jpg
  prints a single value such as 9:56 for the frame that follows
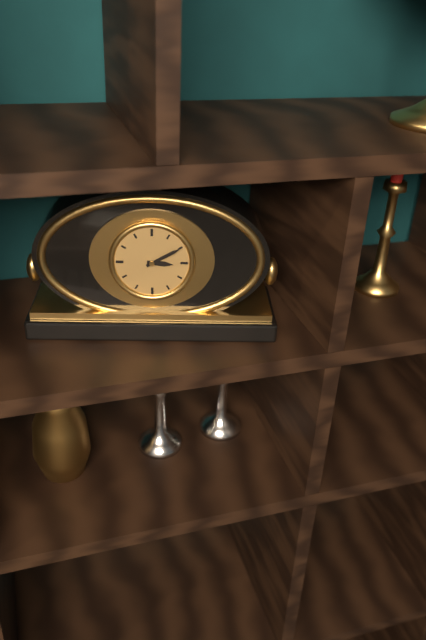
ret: 3:10
